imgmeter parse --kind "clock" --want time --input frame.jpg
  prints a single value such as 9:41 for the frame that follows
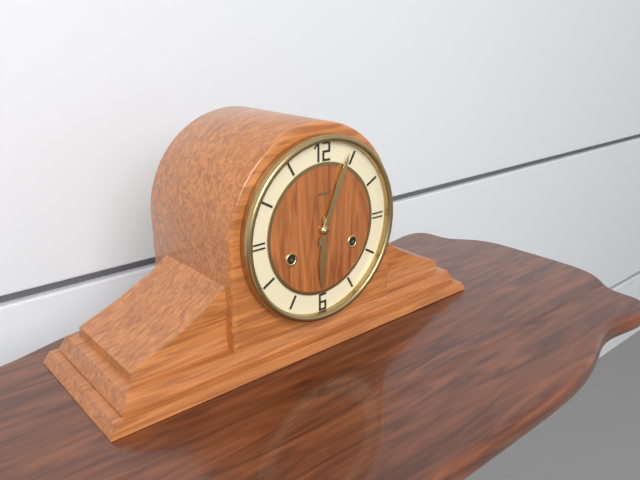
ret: 6:04
